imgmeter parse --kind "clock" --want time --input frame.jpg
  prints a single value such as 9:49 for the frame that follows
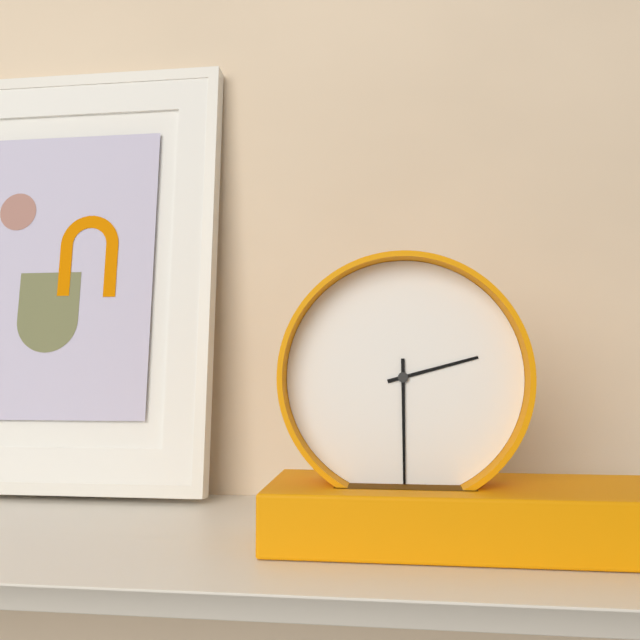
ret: 2:30
